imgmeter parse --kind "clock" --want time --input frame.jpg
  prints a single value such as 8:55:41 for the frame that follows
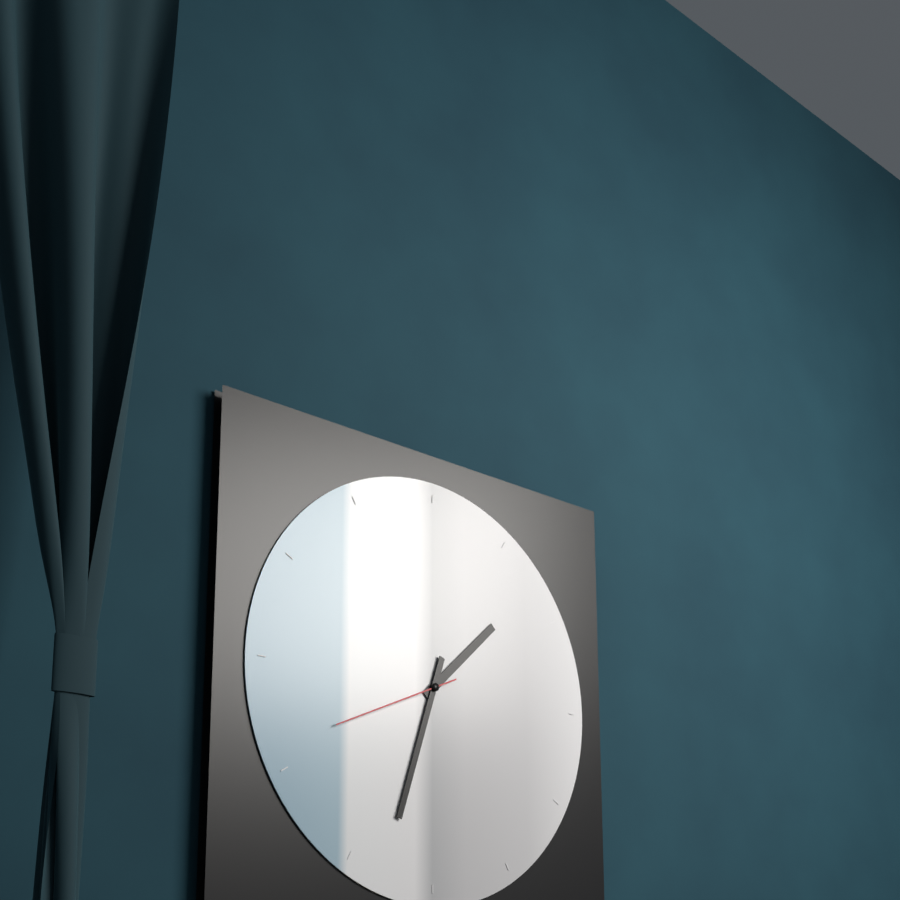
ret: 1:33:41
